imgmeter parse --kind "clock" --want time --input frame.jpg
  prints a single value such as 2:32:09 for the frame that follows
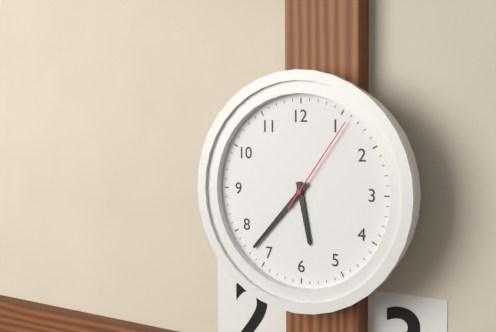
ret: 5:37:06
